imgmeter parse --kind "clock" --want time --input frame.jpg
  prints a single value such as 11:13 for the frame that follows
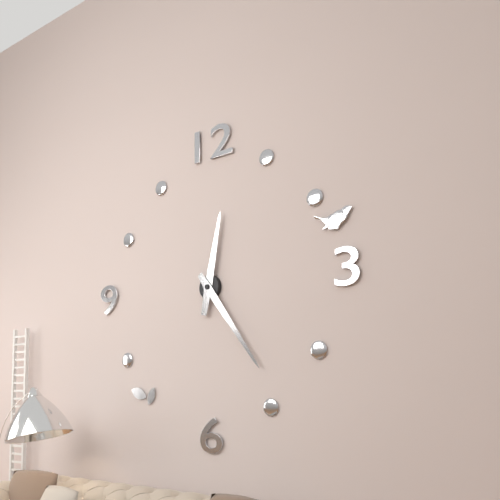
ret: 12:24
